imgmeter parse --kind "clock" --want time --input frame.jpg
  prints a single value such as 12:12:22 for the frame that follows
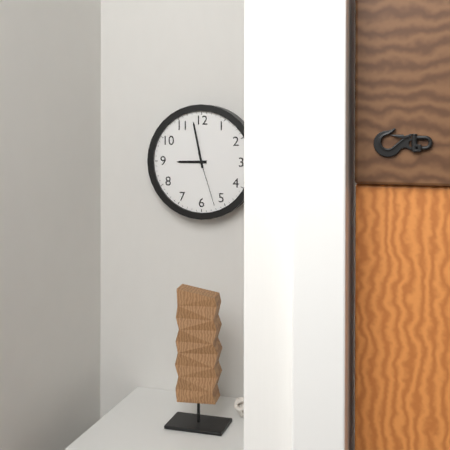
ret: 8:58:27
